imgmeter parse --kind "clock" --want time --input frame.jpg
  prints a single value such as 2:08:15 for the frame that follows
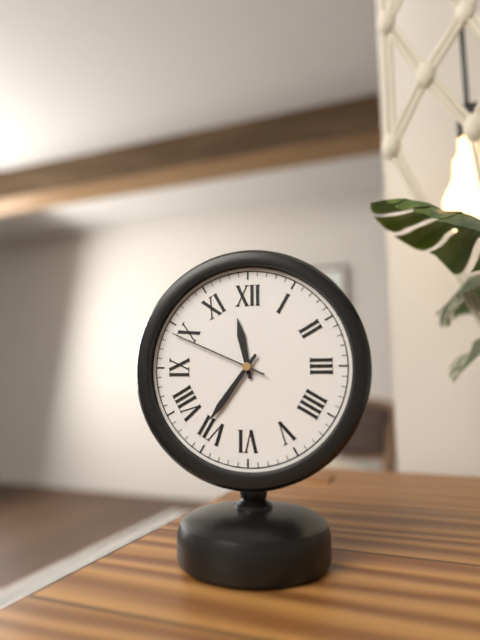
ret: 11:36:49
